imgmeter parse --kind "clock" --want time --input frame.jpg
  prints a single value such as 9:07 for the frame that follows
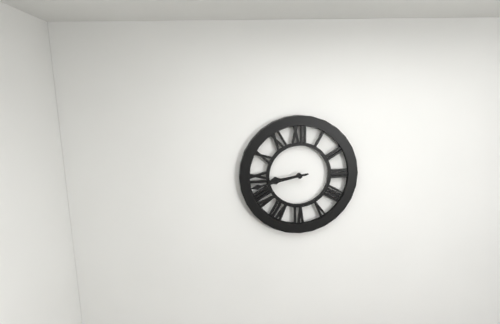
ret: 8:43
